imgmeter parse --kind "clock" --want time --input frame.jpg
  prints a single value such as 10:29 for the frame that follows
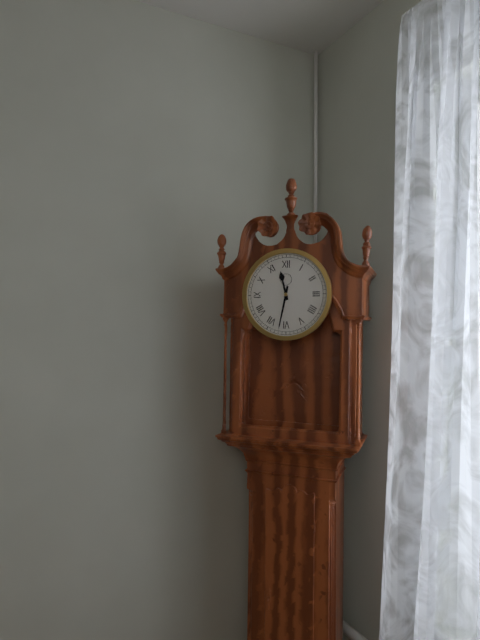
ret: 11:32
